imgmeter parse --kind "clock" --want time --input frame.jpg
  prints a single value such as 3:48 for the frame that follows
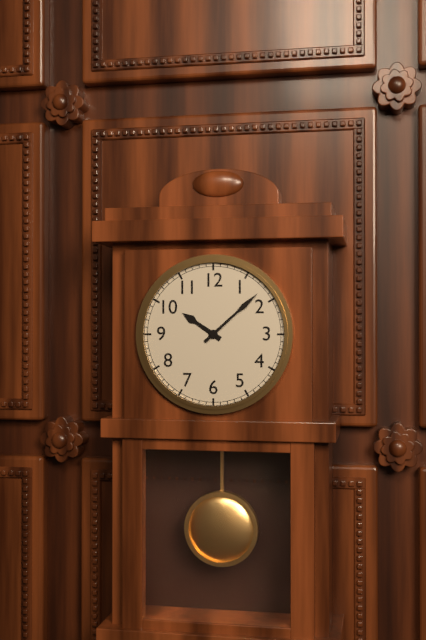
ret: 10:08
